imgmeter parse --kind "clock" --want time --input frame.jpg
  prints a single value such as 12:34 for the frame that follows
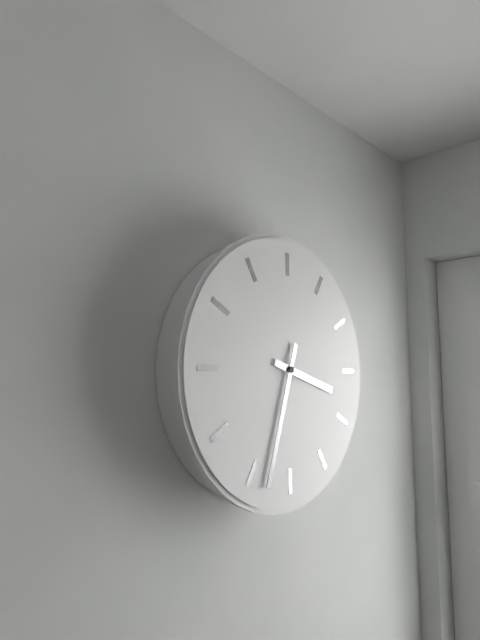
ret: 3:33
